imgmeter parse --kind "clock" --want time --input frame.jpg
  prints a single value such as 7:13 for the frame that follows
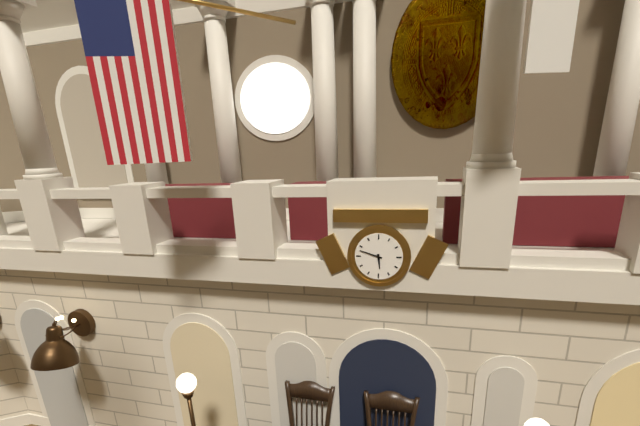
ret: 5:48
